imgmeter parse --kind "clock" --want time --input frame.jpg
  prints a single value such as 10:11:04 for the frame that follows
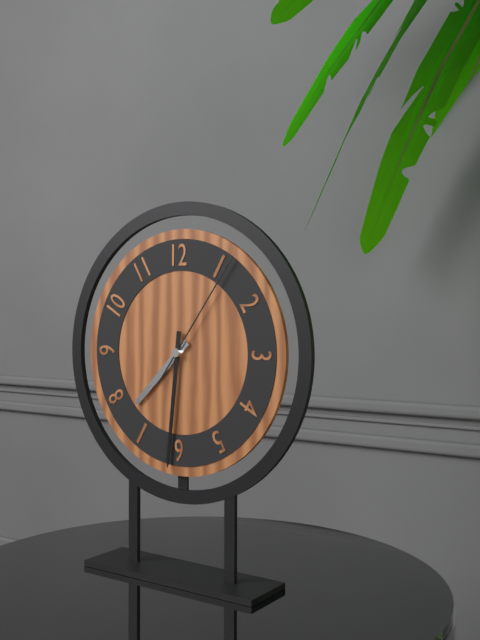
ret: 7:31:06
